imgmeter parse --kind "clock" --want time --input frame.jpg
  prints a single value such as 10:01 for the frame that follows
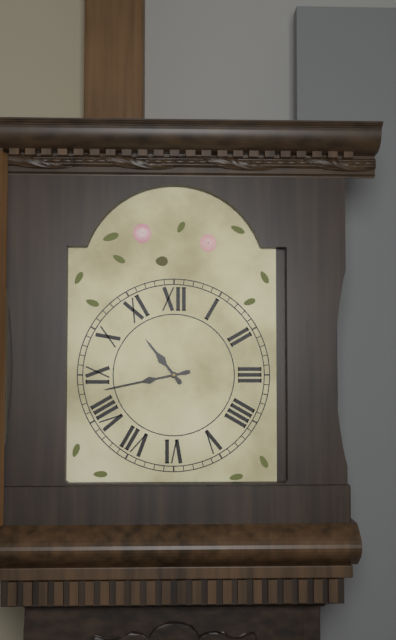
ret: 10:43
